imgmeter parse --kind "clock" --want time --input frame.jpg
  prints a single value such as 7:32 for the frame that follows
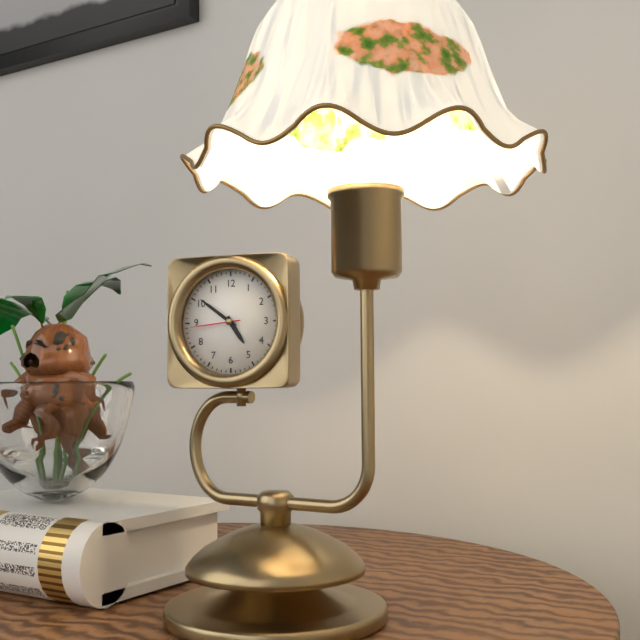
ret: 4:51
